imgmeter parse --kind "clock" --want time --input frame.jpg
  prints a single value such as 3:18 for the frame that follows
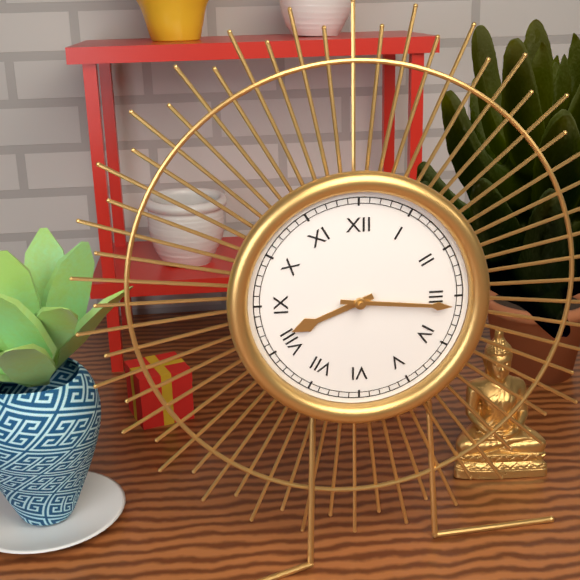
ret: 8:16
